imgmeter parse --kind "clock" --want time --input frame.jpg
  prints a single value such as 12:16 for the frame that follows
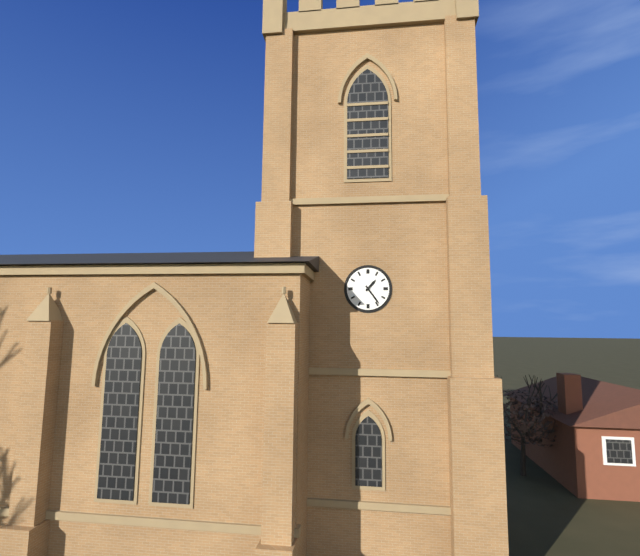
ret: 1:24
